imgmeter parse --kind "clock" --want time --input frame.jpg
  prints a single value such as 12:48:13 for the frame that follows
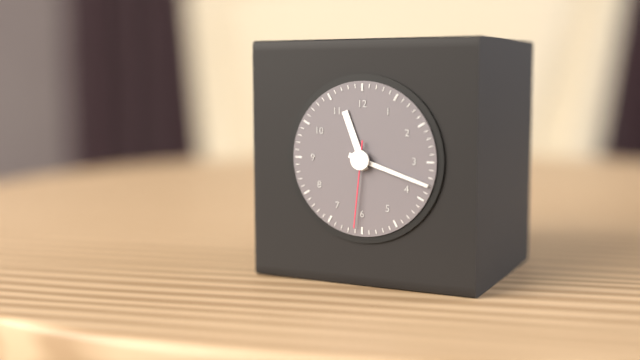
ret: 11:18:31
